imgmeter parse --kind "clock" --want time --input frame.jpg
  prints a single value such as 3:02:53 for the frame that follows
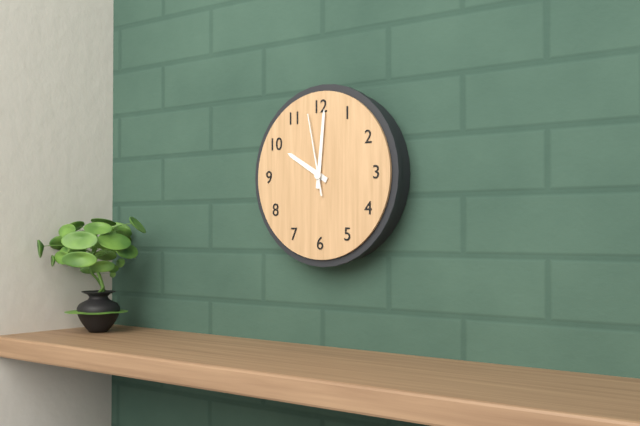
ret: 10:01:58
